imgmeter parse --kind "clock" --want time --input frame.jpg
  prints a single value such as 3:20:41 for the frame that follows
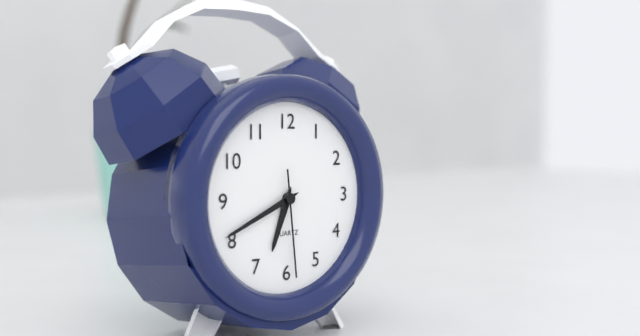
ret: 6:41:29
